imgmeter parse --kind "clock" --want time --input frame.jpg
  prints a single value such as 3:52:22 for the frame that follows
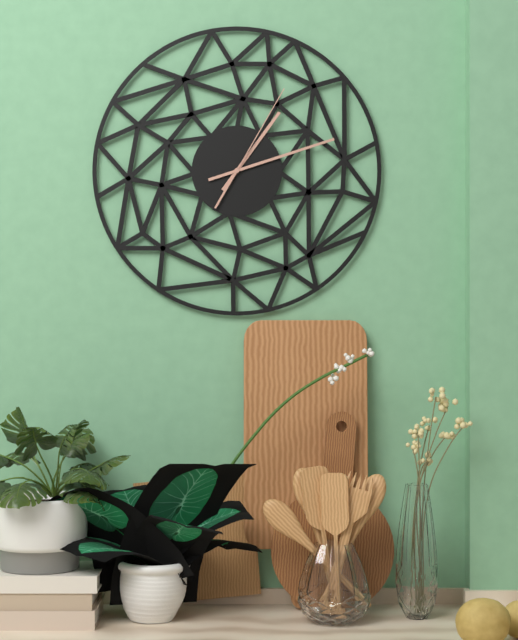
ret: 1:12:05
